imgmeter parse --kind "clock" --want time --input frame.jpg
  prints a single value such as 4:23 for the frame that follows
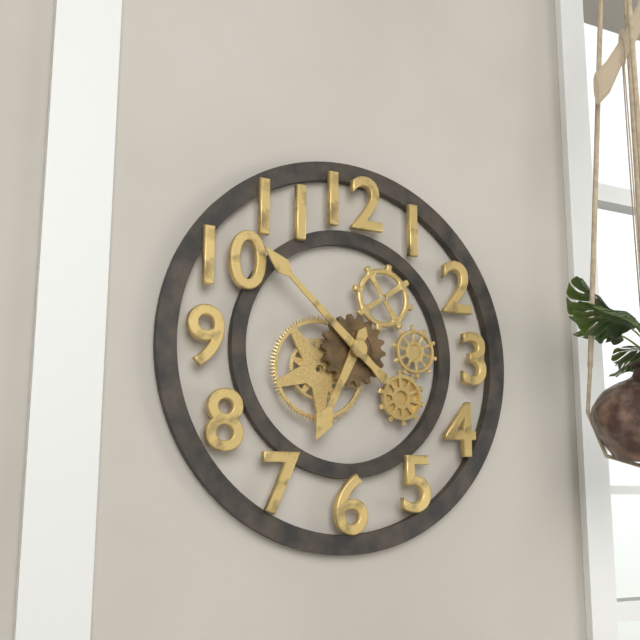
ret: 6:52
